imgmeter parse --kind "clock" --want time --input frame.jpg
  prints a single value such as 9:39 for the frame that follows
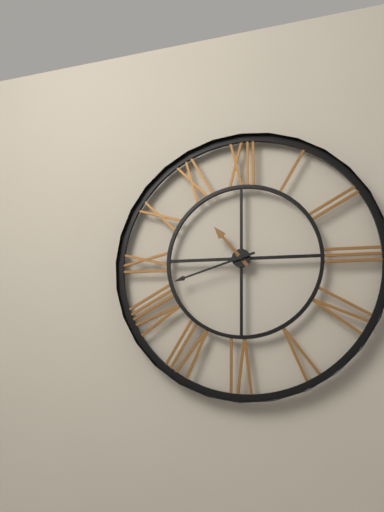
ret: 10:42
